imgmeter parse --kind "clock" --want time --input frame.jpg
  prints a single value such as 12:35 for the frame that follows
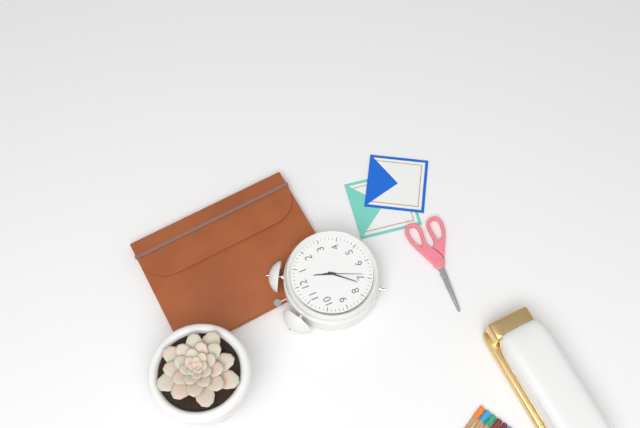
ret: 12:37
